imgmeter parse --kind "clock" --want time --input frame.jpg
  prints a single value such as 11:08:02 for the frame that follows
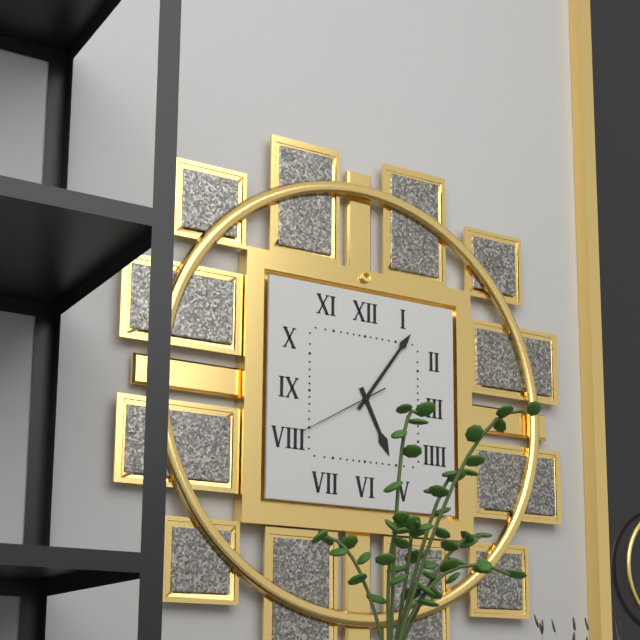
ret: 5:06:40
